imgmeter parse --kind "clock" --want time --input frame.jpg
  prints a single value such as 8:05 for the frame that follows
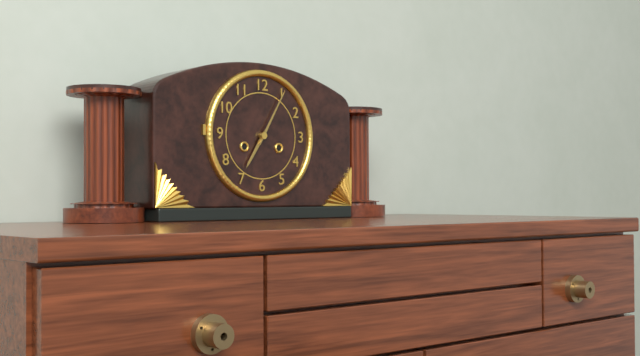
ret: 7:05
